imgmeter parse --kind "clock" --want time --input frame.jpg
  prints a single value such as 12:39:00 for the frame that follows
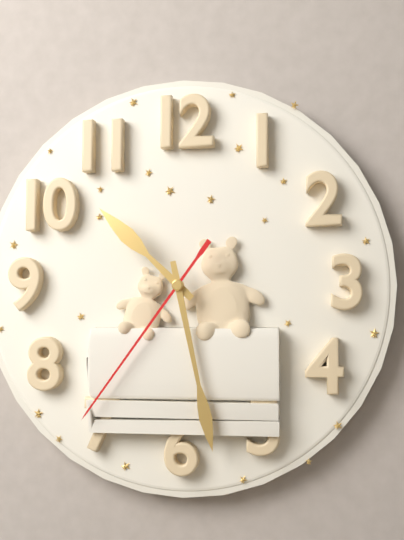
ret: 10:28:36
